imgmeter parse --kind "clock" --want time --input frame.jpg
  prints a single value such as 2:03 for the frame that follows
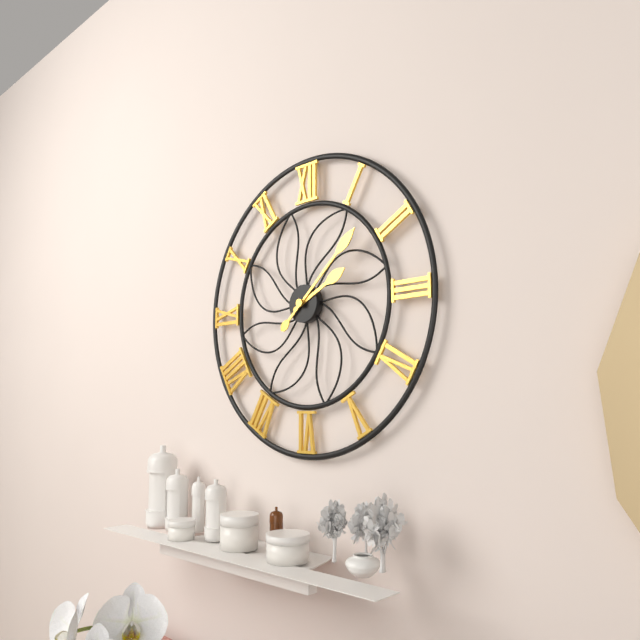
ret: 2:08
